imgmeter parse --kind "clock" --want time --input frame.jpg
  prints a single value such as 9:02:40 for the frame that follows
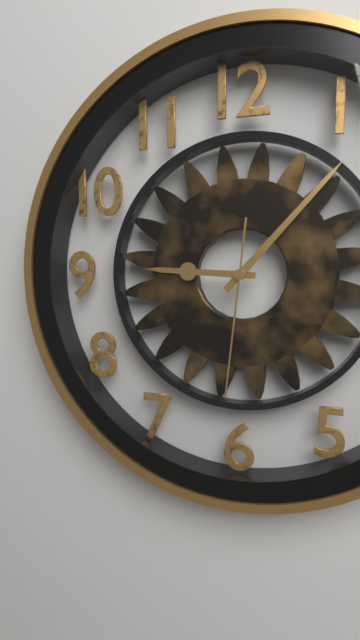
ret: 9:07:31
